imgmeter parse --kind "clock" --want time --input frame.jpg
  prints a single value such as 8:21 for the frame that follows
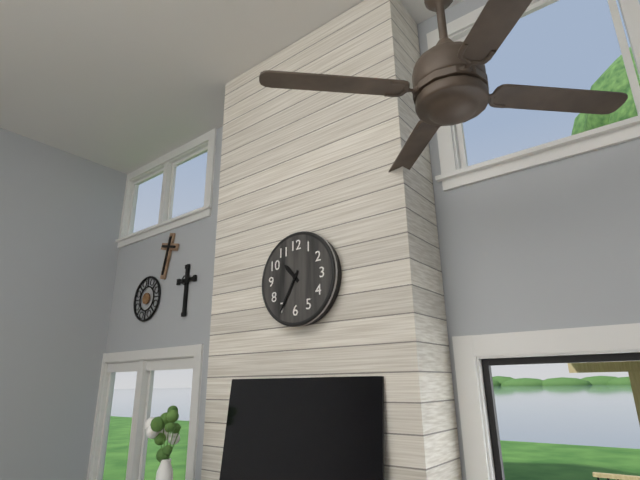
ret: 10:35
